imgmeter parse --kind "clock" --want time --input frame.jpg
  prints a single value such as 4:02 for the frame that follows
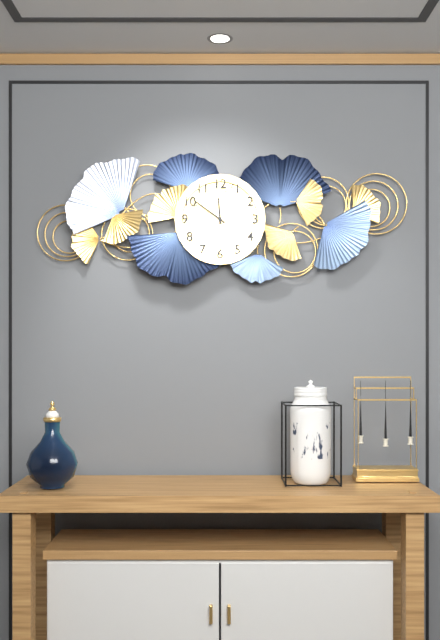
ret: 11:51
